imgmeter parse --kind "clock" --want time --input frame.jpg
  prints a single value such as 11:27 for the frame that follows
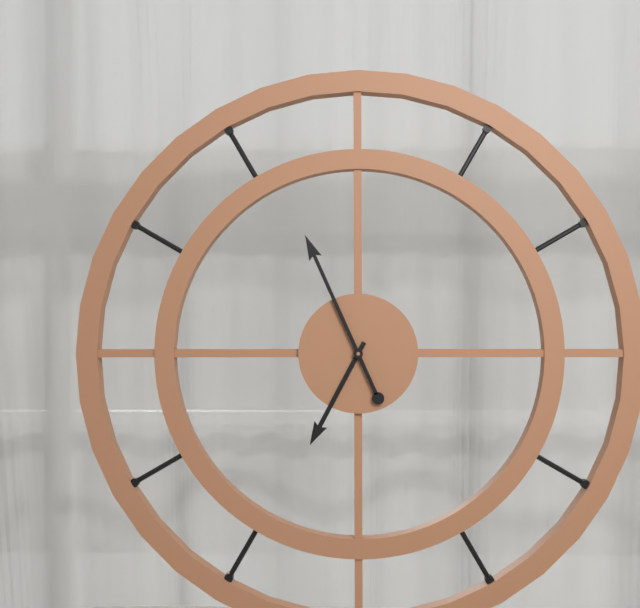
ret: 6:56
